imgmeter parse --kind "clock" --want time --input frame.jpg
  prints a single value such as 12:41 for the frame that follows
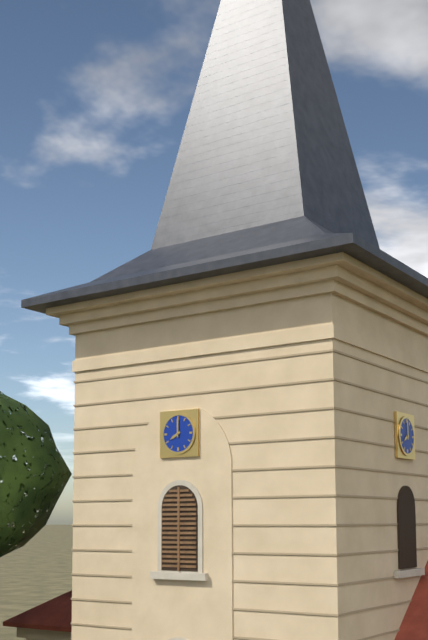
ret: 8:00
